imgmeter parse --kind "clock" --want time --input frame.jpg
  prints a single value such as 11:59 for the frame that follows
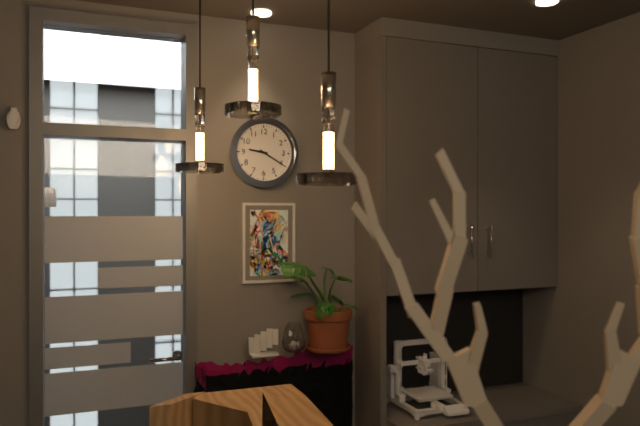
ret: 9:20
